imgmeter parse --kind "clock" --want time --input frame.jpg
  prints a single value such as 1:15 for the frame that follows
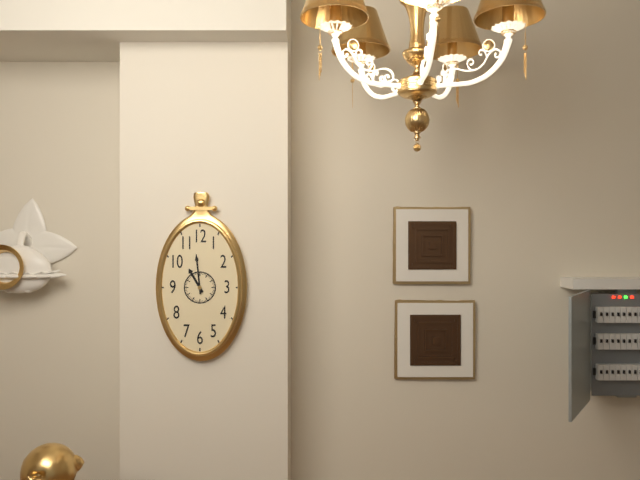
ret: 10:59
